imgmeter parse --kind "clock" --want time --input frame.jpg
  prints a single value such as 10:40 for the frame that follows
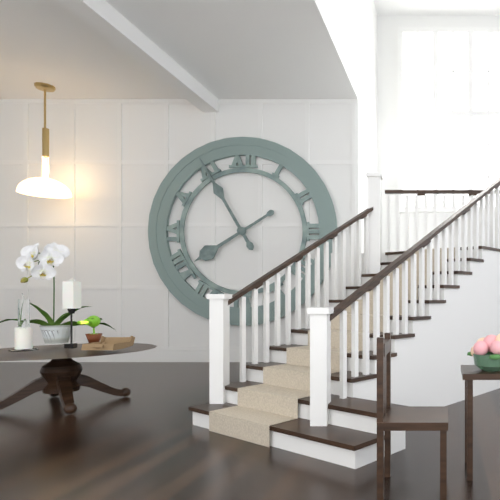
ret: 7:55
